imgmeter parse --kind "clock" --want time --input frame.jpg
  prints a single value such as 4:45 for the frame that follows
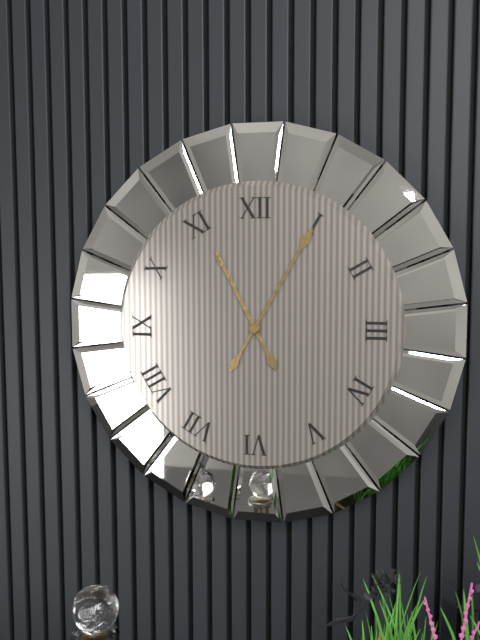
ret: 11:05
